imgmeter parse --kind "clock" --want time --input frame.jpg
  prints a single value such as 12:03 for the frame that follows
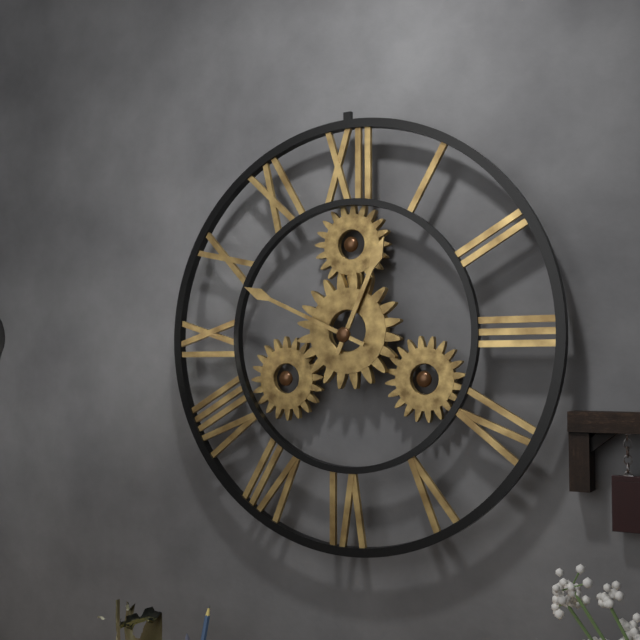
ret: 12:49
